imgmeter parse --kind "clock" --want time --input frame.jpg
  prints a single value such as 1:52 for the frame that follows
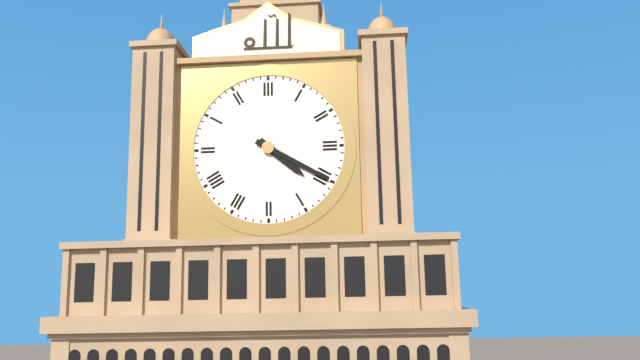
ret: 4:20
